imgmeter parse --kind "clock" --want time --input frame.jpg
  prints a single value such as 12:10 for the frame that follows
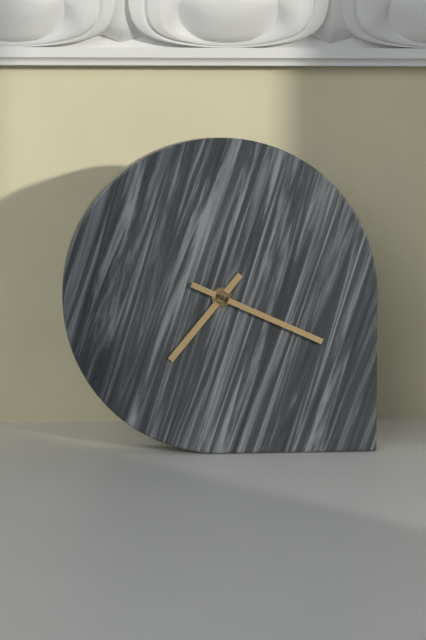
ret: 7:19
